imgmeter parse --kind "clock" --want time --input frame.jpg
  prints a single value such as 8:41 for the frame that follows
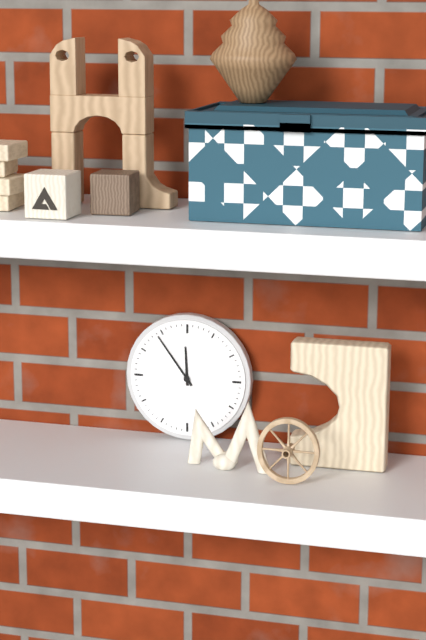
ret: 11:54
